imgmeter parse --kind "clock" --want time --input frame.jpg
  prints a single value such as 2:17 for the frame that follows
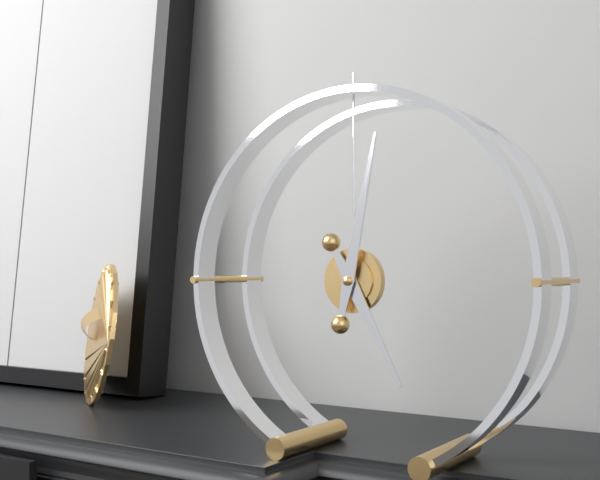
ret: 5:02
